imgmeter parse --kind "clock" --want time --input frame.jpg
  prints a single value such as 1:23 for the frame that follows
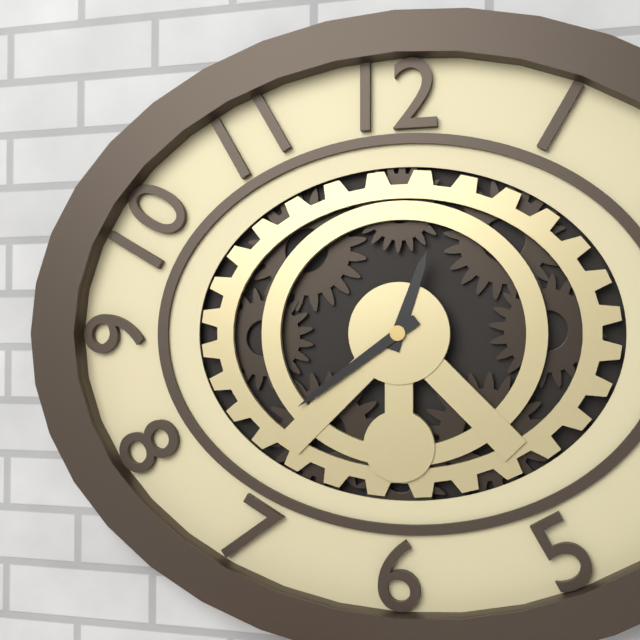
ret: 12:39
